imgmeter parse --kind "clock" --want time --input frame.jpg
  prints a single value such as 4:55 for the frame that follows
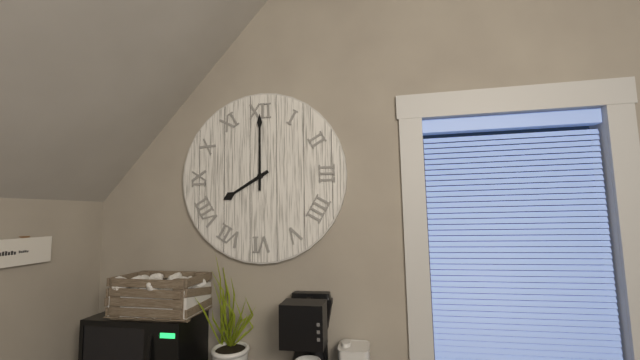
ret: 8:00
